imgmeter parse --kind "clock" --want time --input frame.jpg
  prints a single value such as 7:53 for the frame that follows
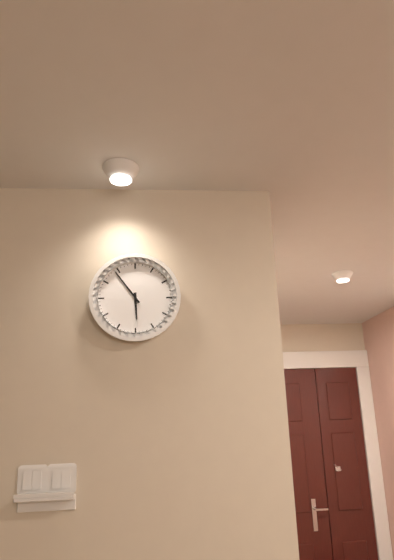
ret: 5:54
